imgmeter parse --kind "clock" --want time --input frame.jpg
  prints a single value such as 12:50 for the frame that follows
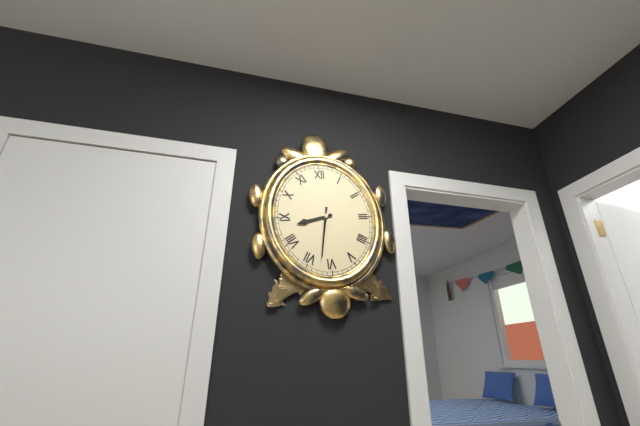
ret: 8:32
